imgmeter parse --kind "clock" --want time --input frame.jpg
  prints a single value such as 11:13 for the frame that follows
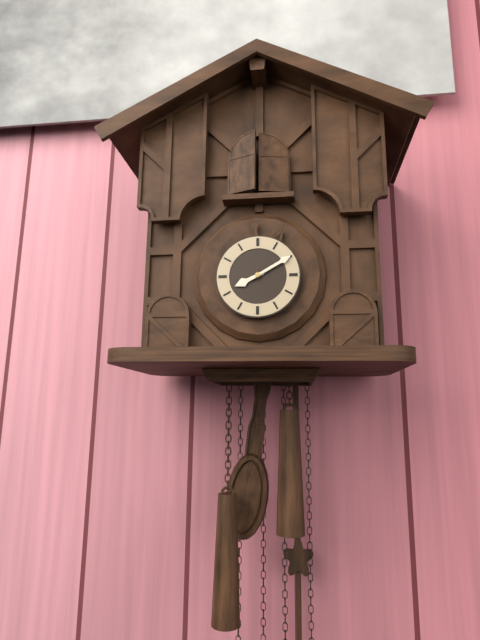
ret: 8:10
